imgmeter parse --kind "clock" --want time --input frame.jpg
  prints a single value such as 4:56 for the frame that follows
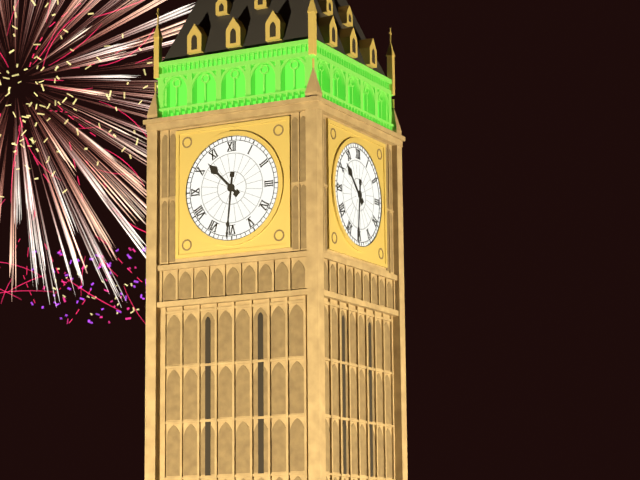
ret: 10:31
